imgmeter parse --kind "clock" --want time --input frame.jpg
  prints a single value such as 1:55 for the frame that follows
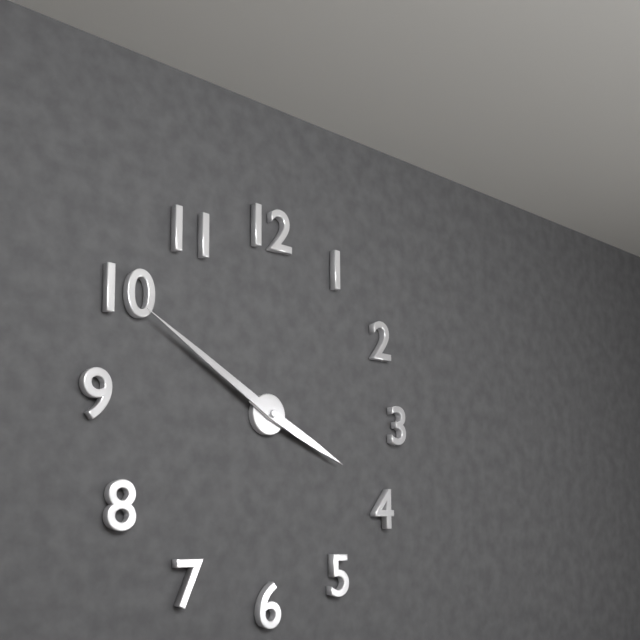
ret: 3:50
